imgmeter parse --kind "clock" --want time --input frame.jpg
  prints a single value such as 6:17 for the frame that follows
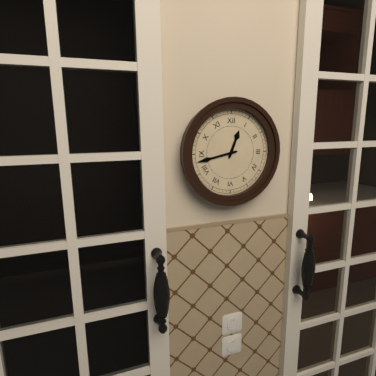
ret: 12:43
